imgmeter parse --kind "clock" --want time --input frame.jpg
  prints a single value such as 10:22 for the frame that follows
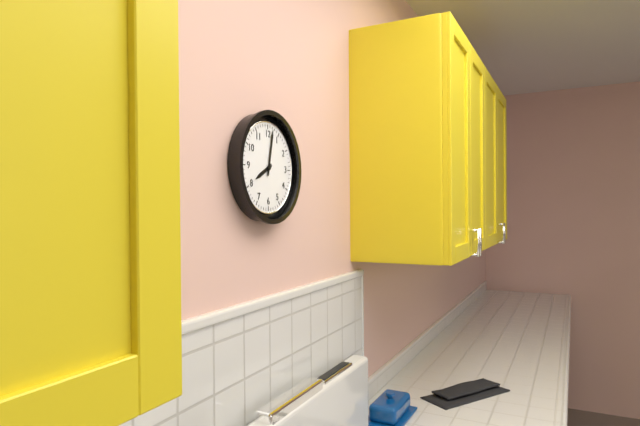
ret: 8:02
